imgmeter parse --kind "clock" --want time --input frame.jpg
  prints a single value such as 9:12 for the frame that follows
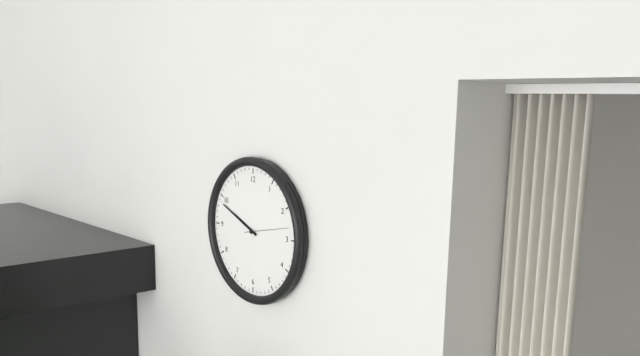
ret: 9:49
